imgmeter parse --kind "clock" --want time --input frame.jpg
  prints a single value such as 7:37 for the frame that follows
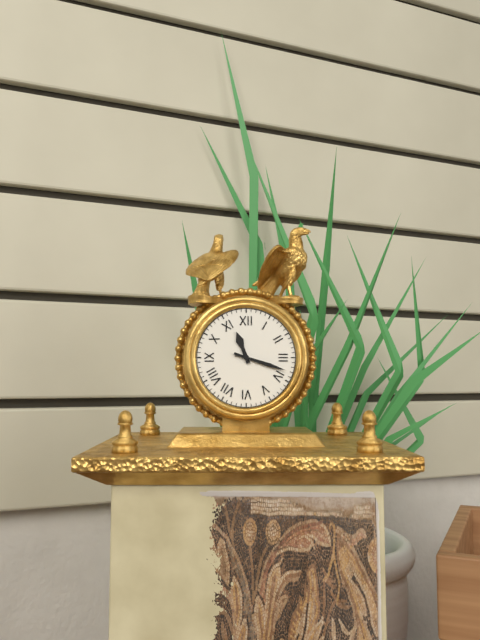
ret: 11:18
